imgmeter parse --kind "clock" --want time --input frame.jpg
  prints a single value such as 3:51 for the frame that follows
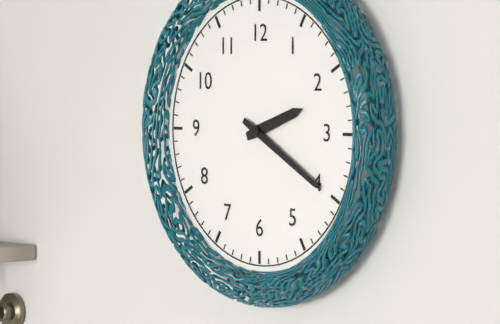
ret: 2:20
